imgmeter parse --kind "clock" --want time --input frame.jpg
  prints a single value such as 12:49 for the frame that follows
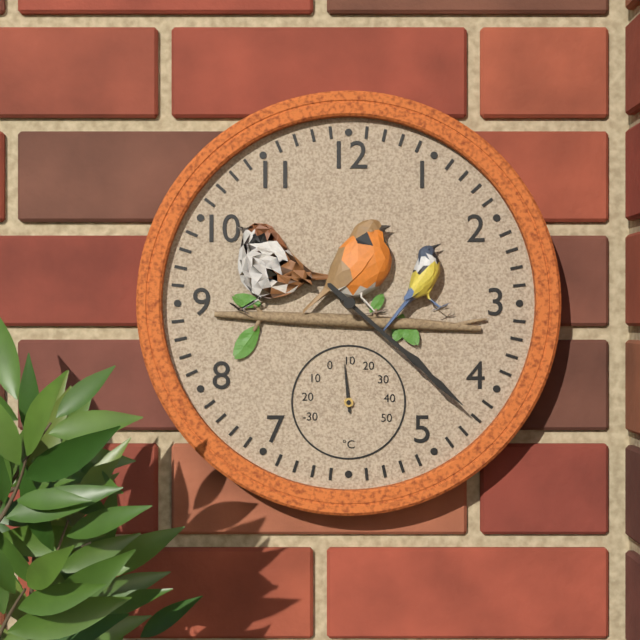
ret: 4:22
